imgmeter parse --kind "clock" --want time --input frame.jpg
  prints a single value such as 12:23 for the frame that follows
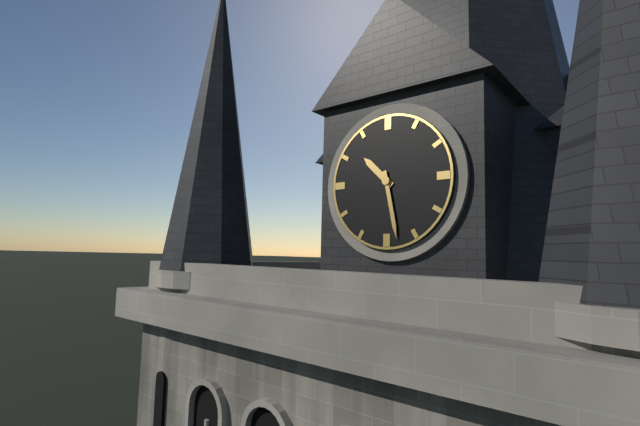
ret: 10:28
